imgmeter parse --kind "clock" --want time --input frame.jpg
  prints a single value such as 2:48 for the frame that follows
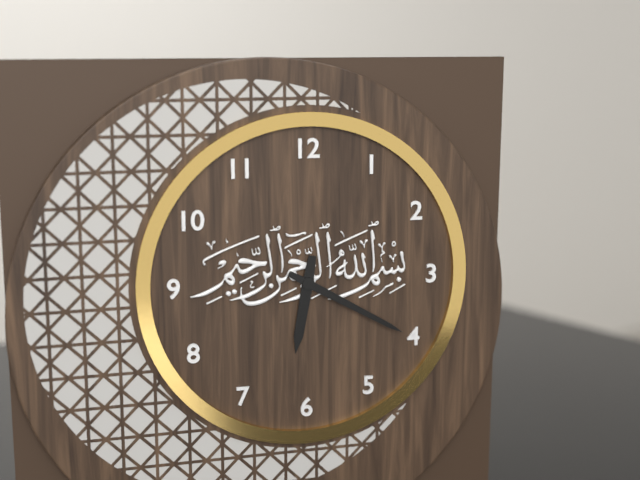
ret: 6:20
